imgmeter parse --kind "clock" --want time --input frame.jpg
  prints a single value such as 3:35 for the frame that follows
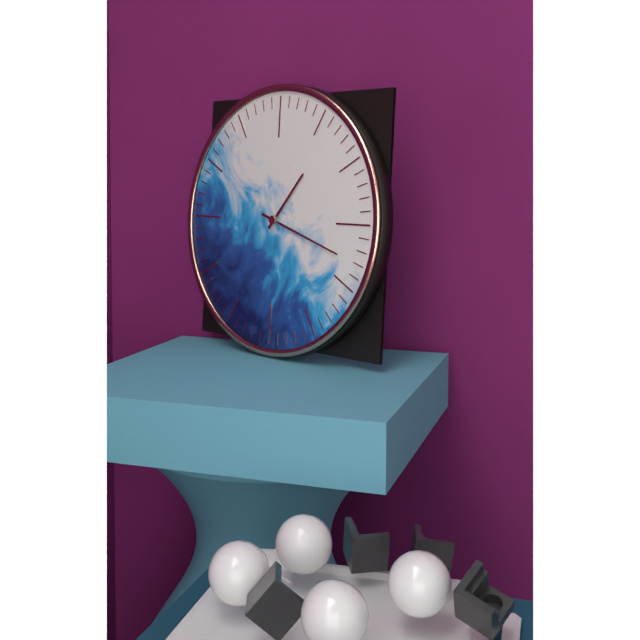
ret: 1:18
